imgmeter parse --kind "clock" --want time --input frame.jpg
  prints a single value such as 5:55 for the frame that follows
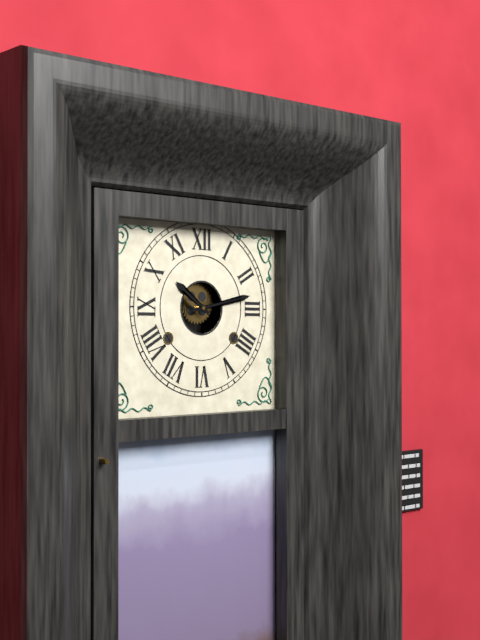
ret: 10:13
